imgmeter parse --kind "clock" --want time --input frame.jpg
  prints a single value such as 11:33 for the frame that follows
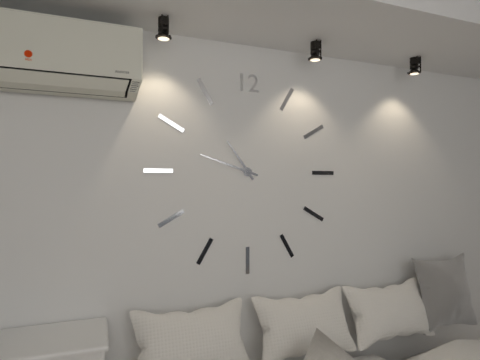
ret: 10:48
